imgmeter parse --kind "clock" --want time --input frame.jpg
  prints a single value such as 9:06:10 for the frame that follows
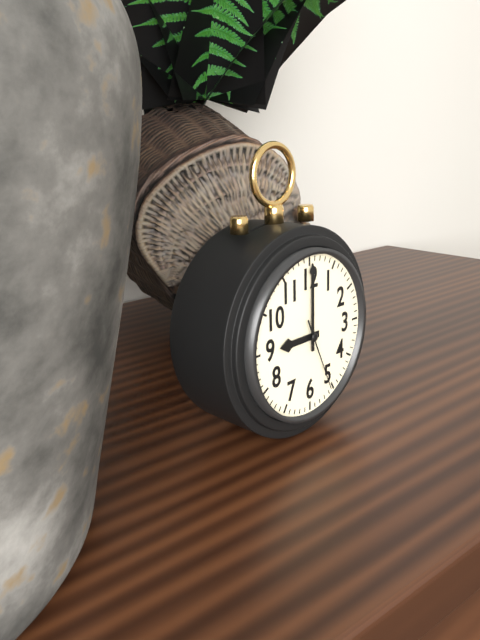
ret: 9:00:26
